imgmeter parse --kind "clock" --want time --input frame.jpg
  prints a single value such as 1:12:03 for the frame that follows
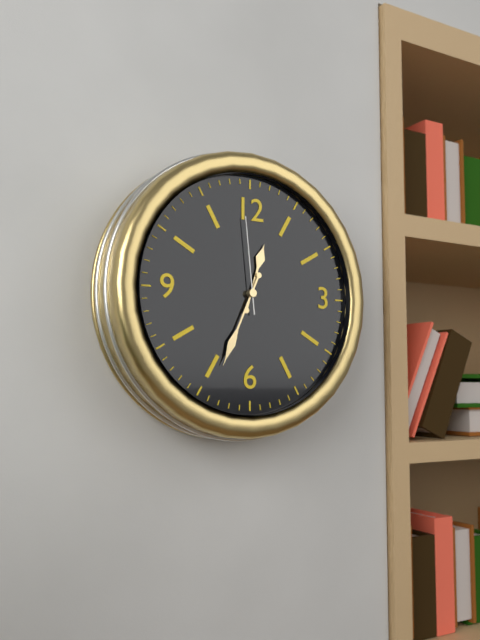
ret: 12:34:59
